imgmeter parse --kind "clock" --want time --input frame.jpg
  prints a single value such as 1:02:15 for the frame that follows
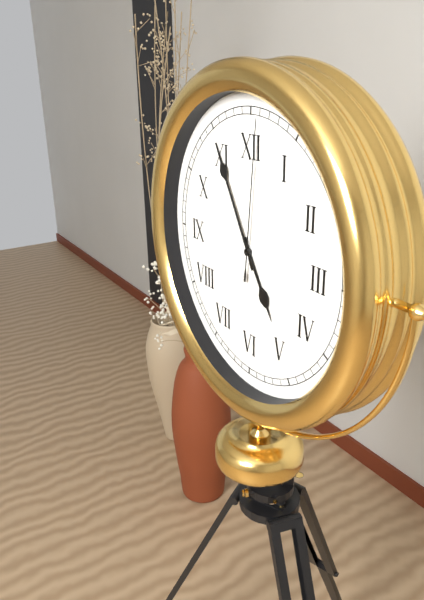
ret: 4:55:01
